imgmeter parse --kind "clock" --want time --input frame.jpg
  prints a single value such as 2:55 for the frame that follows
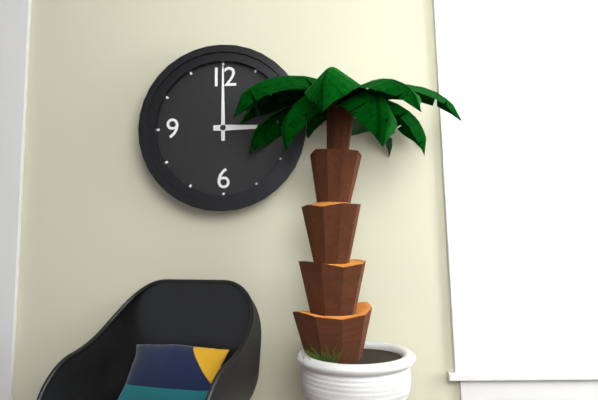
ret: 3:00
